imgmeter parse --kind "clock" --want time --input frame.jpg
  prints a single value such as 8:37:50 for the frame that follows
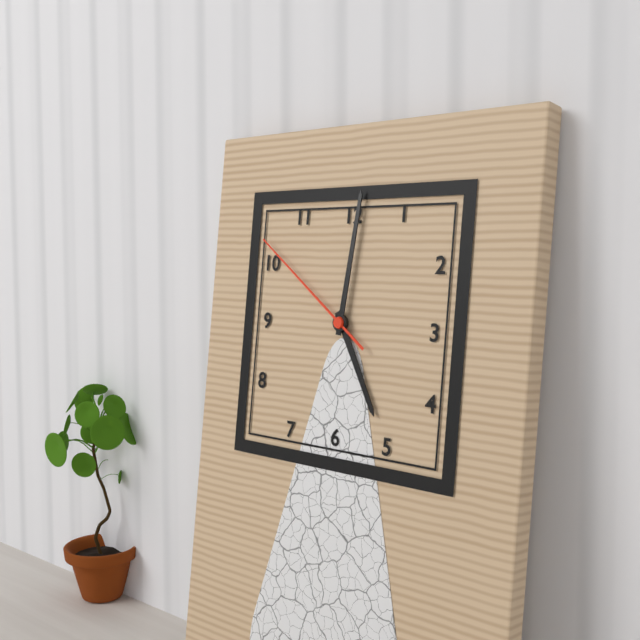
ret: 5:01:51
